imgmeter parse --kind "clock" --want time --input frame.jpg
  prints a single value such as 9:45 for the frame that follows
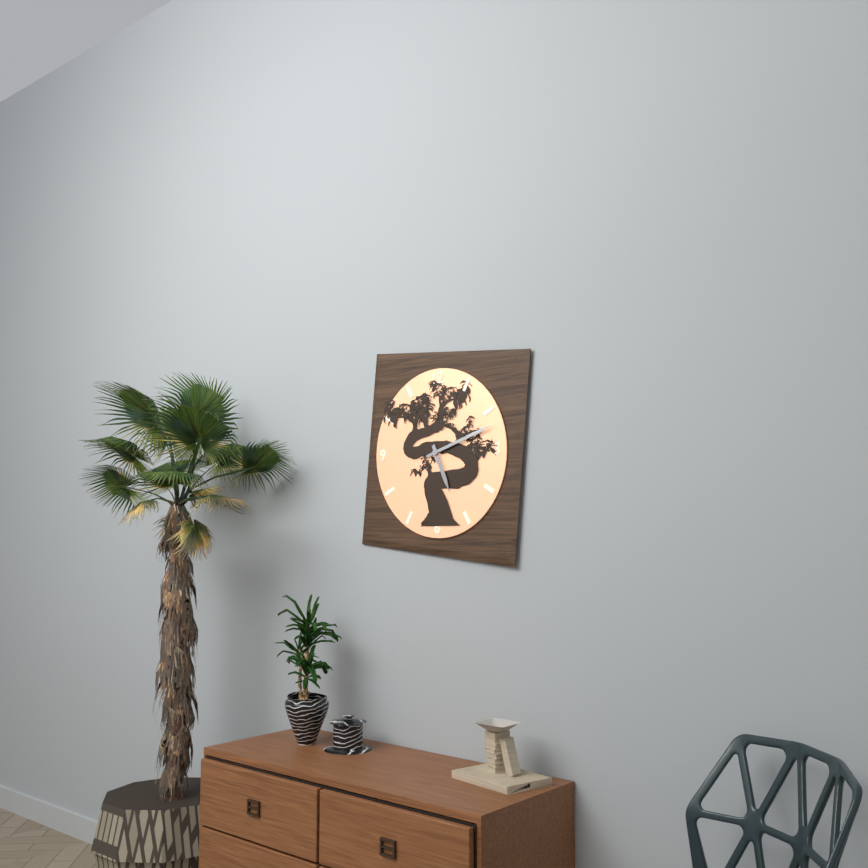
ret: 5:12
